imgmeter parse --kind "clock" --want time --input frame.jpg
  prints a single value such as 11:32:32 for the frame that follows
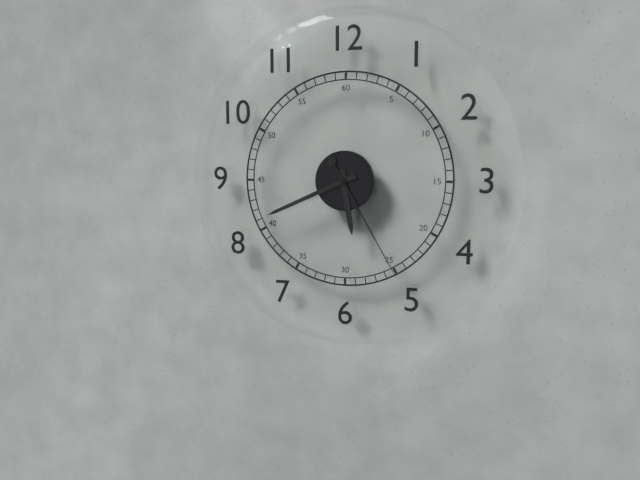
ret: 5:41:25
